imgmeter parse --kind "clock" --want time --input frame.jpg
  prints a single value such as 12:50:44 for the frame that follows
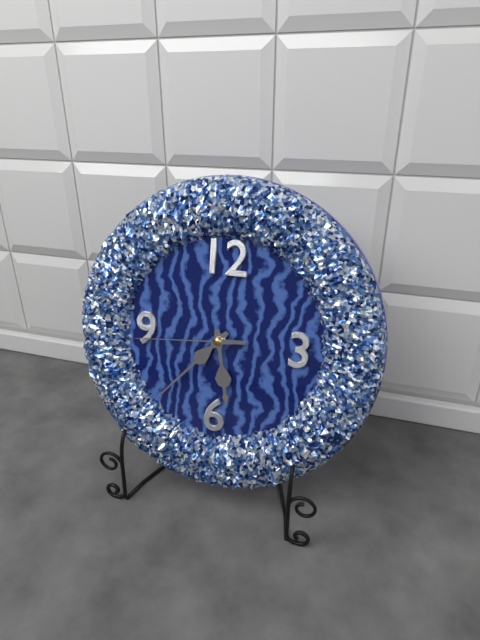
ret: 5:37:44
